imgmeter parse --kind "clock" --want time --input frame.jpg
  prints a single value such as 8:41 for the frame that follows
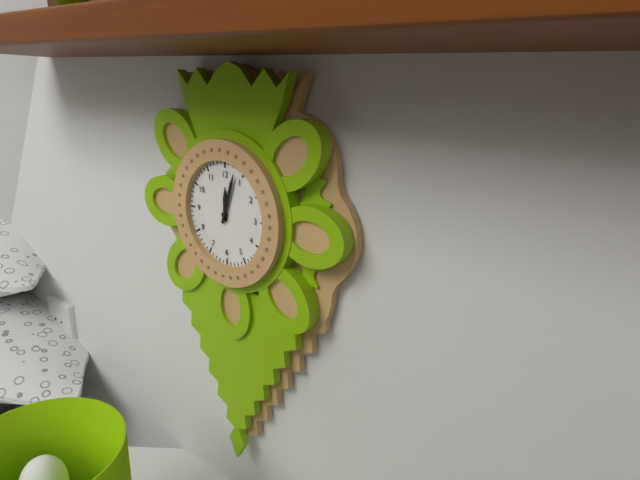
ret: 12:03
